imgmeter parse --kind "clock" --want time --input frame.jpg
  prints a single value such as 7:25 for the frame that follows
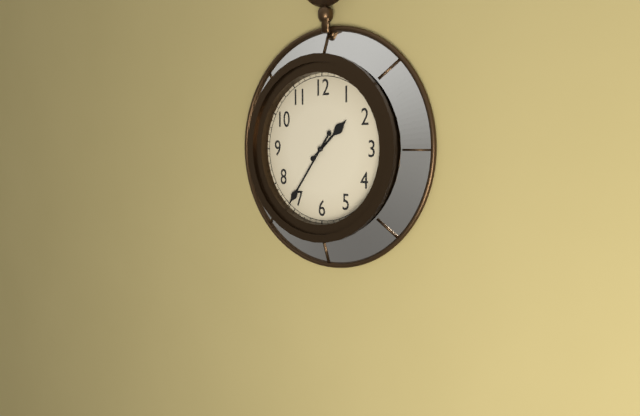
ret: 1:36
